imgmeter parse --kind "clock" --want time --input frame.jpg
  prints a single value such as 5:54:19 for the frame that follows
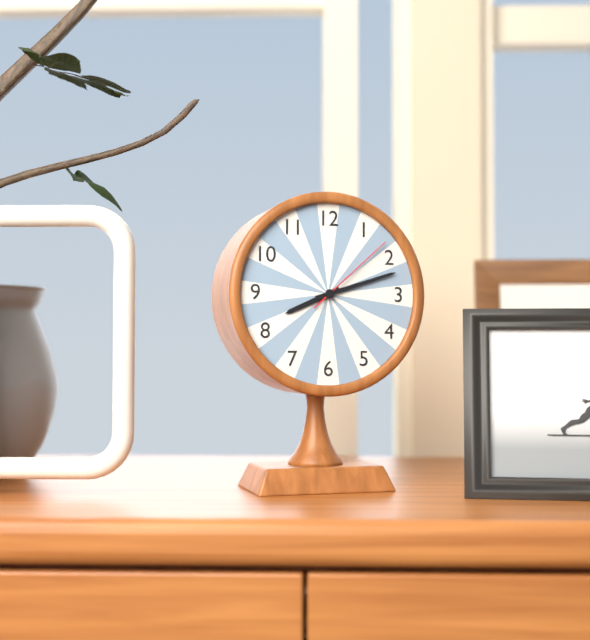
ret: 8:12:08
